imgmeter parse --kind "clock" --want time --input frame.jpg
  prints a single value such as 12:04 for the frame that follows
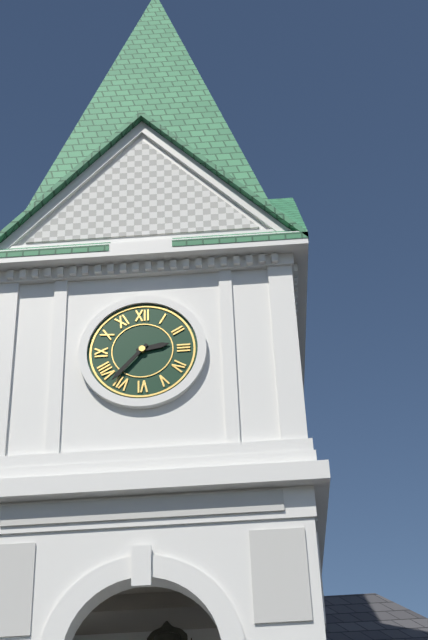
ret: 2:37
